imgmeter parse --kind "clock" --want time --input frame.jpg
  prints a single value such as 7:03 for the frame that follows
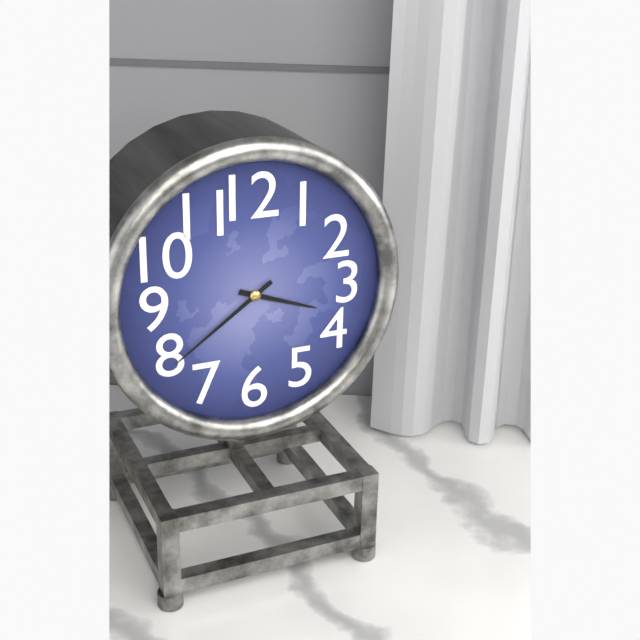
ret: 3:39
